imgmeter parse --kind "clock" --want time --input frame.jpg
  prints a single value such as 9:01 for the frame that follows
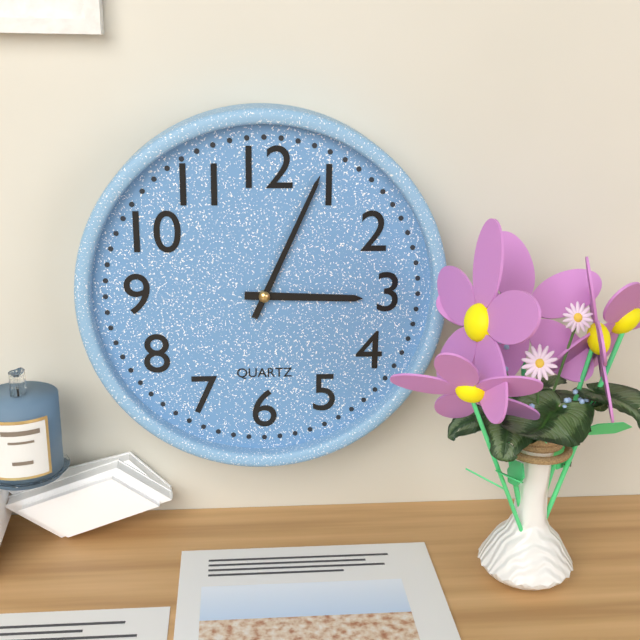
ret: 3:04
